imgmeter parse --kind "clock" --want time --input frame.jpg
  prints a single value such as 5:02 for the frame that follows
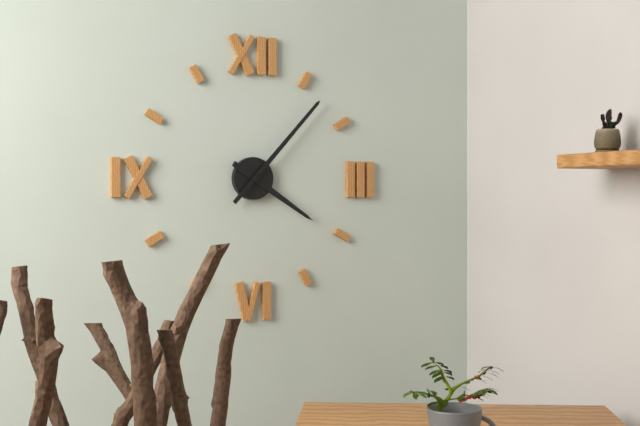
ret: 4:07
